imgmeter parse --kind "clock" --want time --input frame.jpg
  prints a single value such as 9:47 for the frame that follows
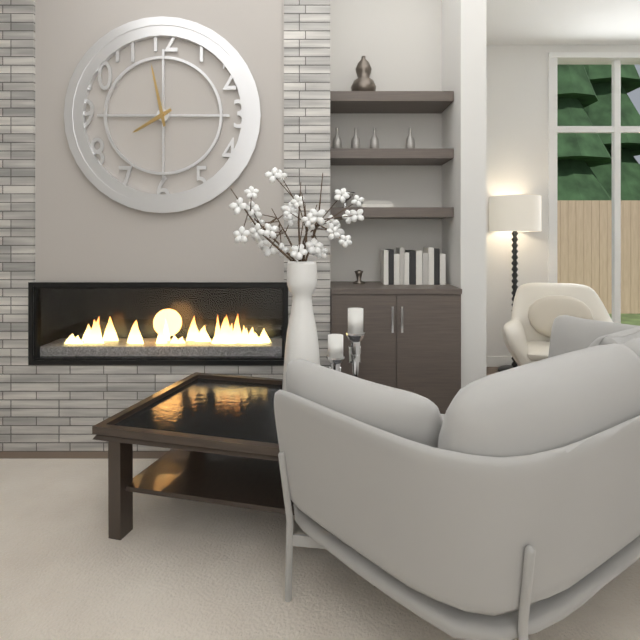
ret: 7:58
